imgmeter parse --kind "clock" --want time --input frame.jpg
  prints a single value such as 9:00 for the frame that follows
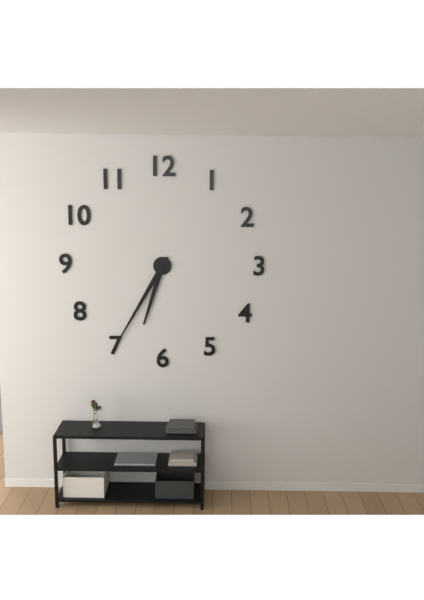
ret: 6:35
